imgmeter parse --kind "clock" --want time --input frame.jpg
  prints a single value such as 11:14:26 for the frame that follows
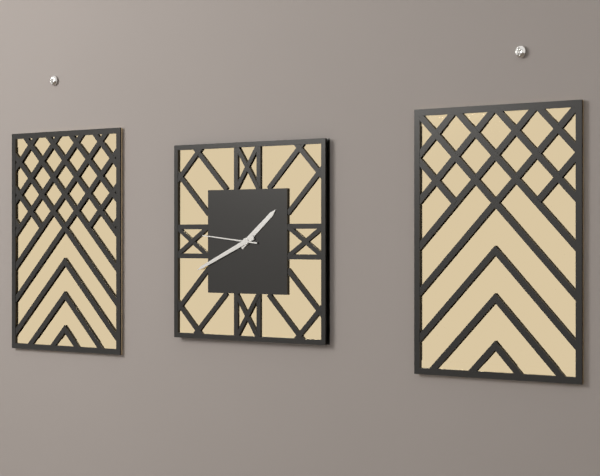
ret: 1:41:46
